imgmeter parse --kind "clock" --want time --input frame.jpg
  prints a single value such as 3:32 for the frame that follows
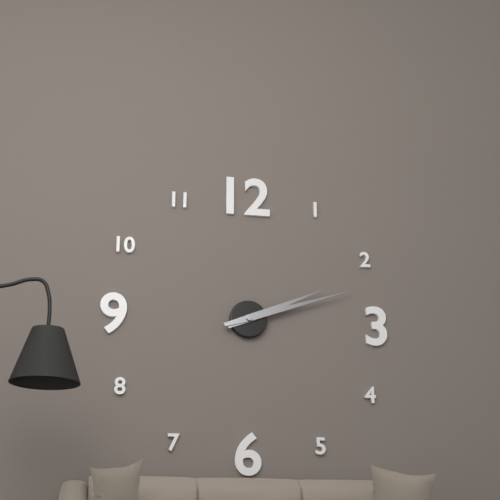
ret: 2:12
